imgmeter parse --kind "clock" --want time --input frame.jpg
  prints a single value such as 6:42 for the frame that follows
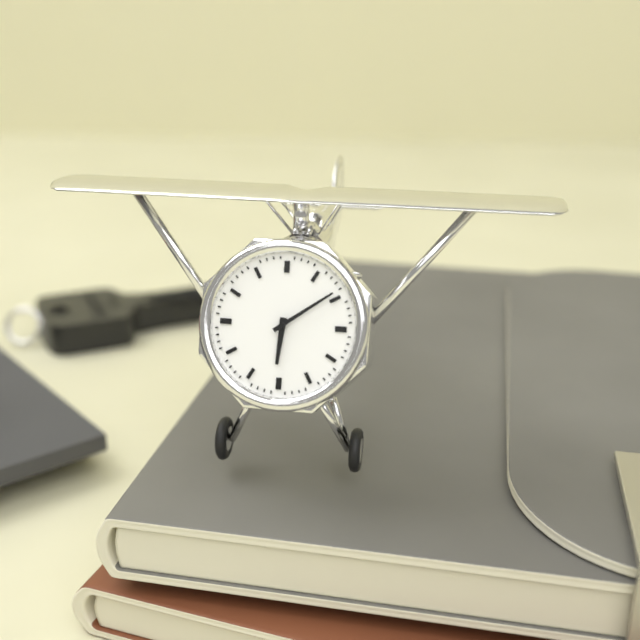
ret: 6:09
